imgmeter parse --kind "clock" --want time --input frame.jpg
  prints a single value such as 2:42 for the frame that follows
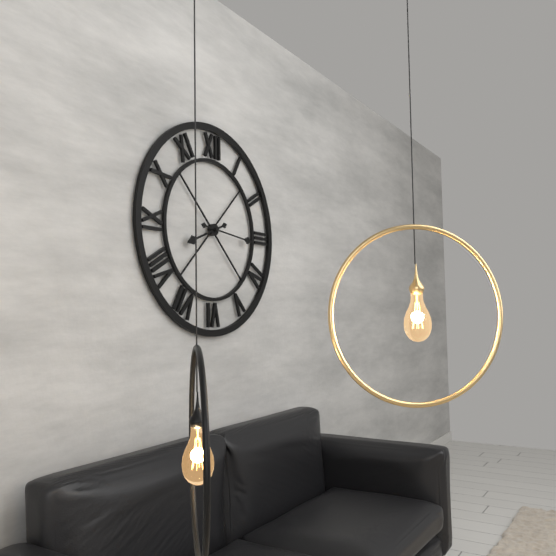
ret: 8:16
